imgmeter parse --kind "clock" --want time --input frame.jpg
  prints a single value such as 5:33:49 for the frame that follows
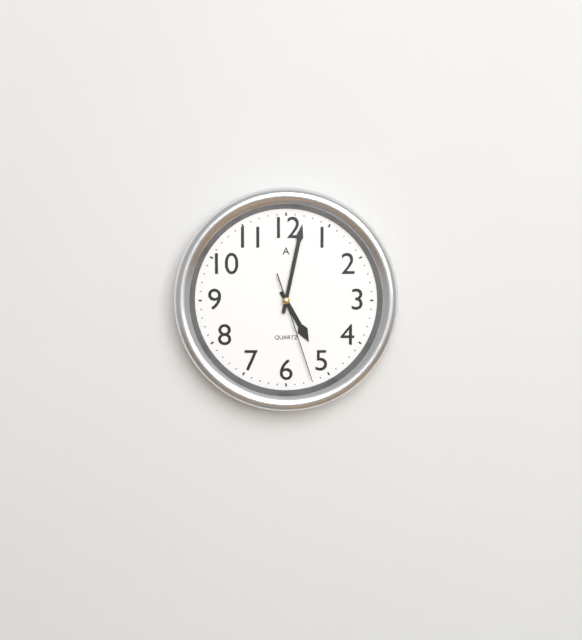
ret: 5:02:27
